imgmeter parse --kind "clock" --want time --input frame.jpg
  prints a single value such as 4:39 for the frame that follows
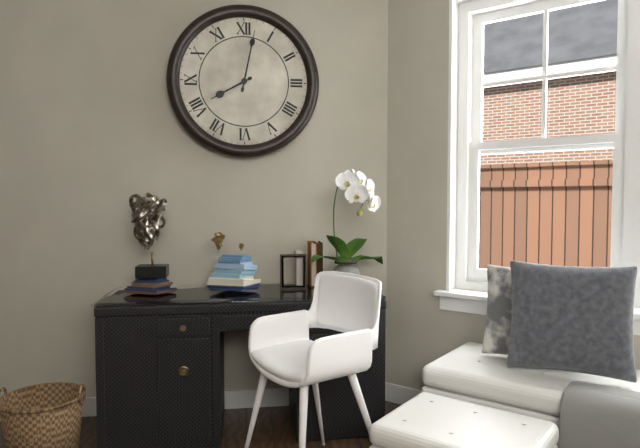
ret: 8:02
